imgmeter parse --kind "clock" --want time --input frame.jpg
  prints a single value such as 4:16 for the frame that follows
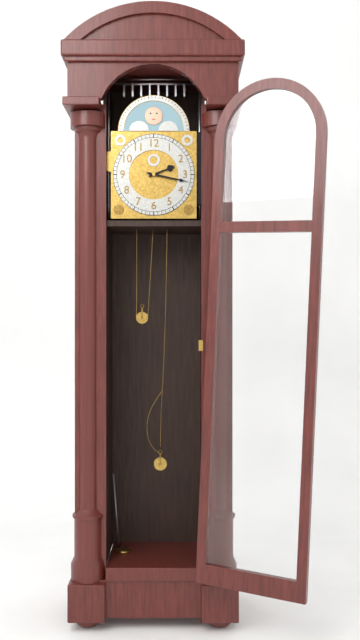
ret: 2:17
